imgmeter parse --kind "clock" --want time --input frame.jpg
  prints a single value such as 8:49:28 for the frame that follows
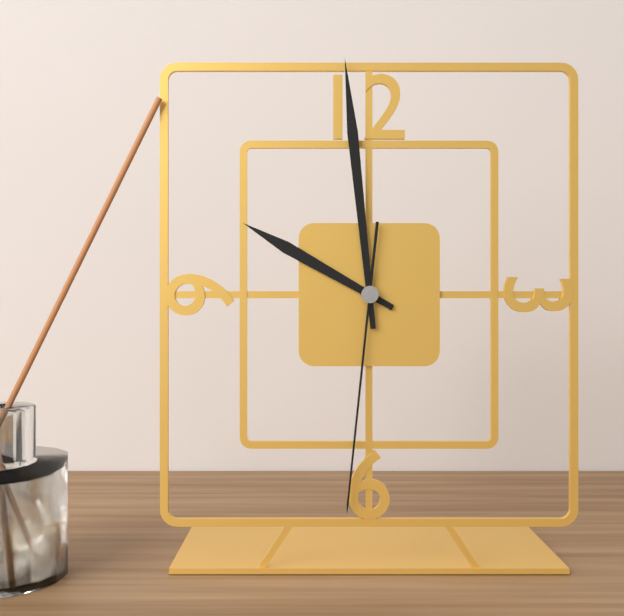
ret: 9:59:31
